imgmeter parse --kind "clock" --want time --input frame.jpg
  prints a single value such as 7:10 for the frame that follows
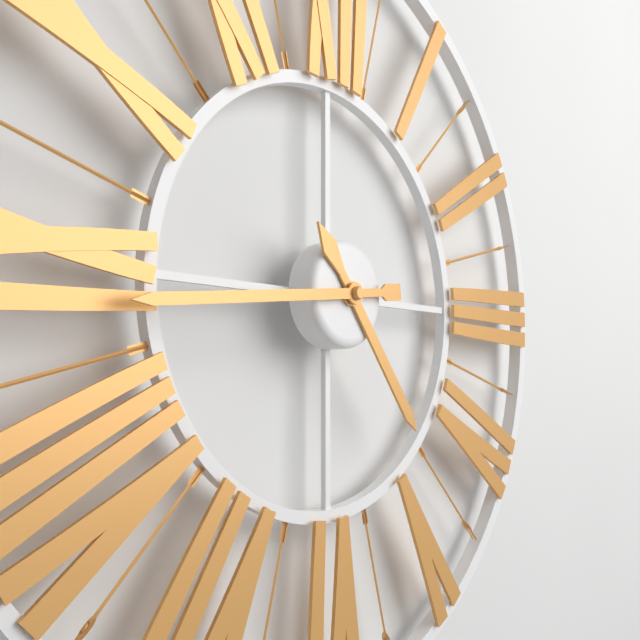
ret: 4:44
